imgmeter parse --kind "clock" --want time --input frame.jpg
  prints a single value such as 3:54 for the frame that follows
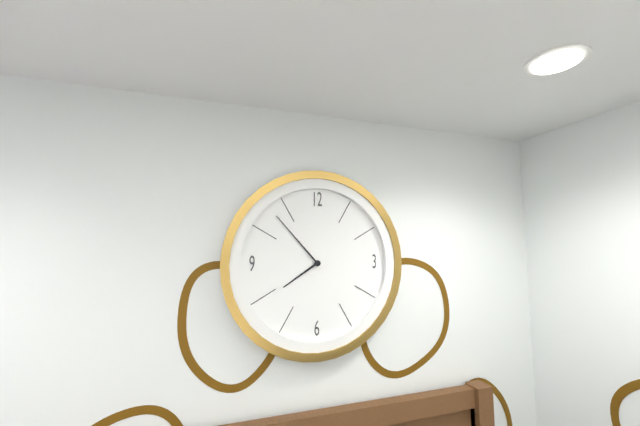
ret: 7:53
